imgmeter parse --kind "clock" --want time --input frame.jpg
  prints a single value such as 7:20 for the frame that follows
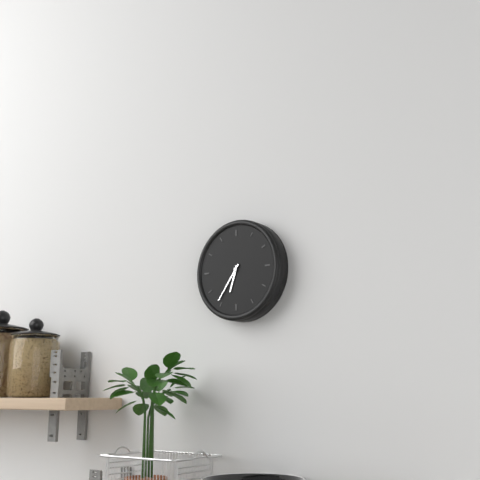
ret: 6:36
